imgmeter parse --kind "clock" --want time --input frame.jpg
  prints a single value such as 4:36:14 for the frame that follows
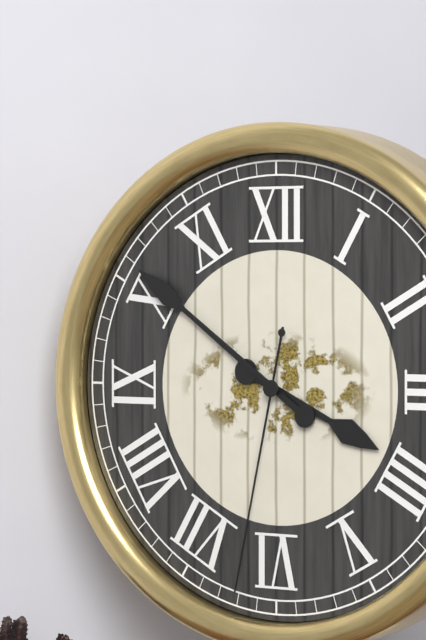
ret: 3:51:32
